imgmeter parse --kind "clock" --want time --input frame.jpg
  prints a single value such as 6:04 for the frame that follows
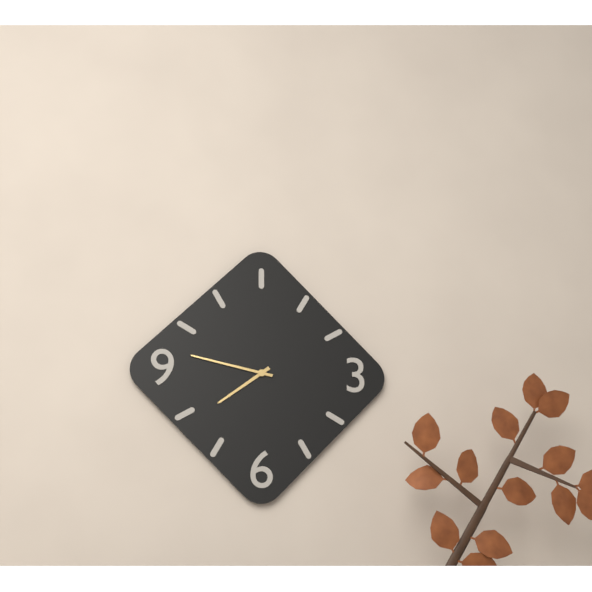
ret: 7:47
